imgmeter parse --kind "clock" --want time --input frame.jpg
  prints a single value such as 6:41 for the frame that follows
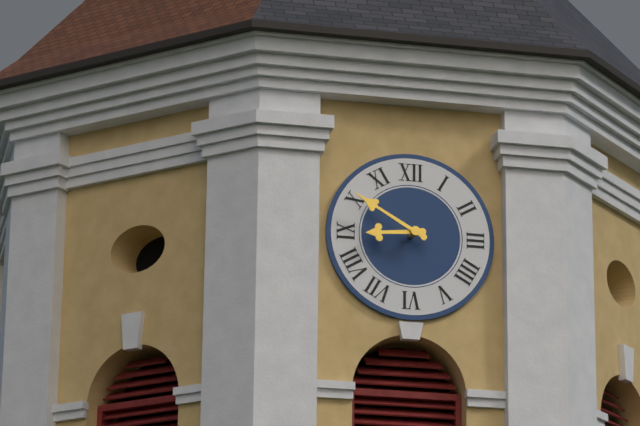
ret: 8:50
